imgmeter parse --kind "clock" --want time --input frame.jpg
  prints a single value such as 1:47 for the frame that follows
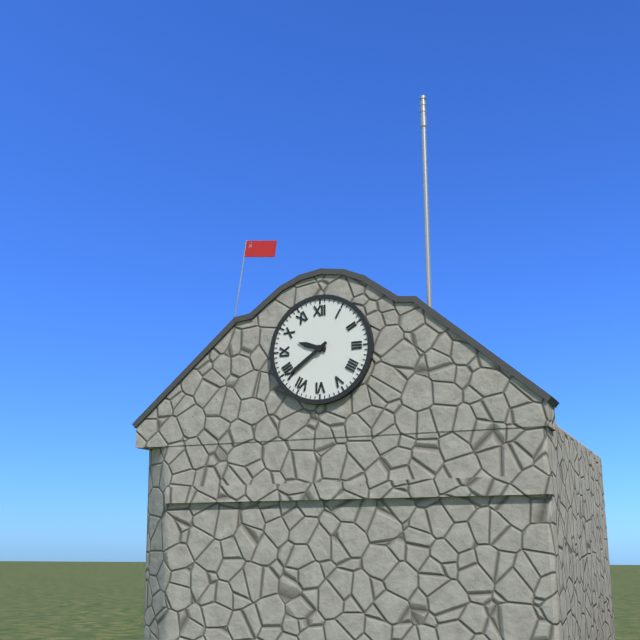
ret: 9:39
